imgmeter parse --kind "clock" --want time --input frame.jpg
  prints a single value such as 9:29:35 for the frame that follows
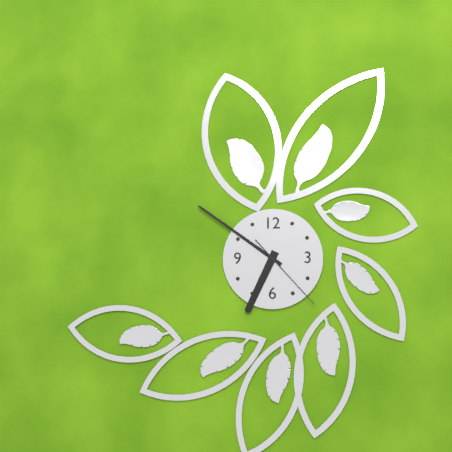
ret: 6:51:23
